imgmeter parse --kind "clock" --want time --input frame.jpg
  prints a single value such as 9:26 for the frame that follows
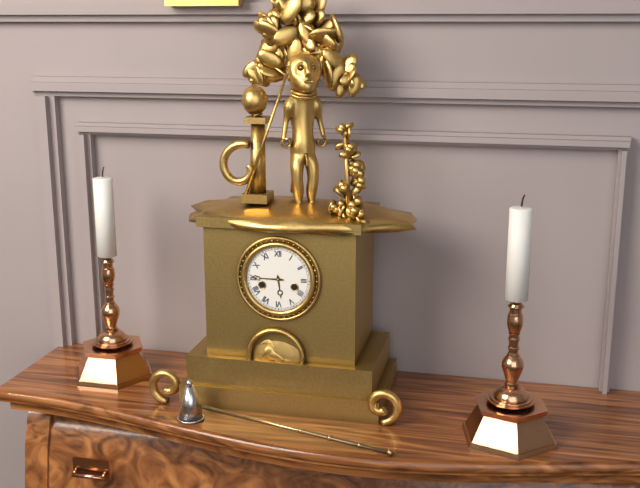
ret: 5:45
